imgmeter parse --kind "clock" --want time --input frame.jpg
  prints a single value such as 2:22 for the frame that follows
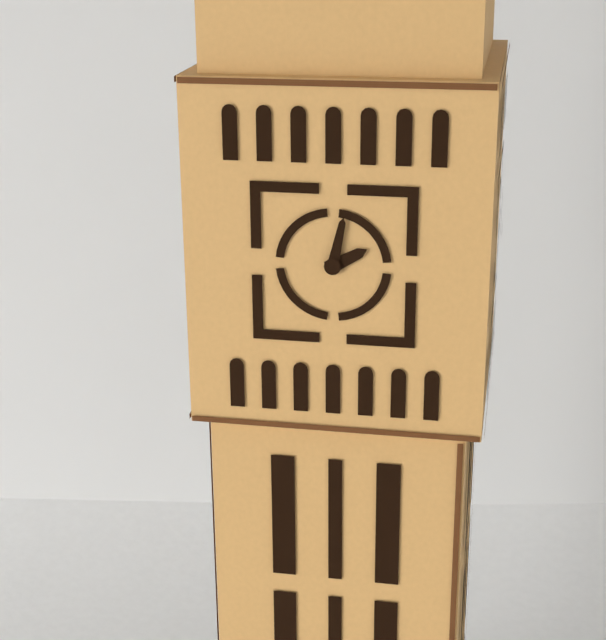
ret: 2:02
